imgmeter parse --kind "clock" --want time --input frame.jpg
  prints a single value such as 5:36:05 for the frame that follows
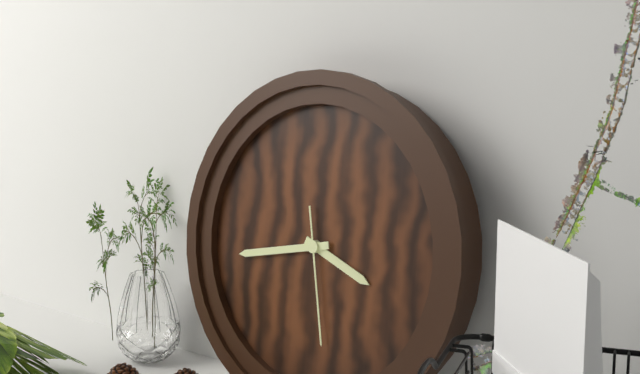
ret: 3:43:28
